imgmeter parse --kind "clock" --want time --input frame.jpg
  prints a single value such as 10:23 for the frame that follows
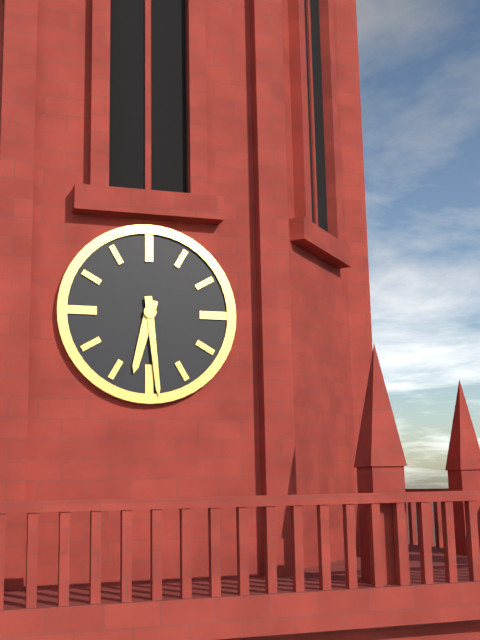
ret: 6:29
